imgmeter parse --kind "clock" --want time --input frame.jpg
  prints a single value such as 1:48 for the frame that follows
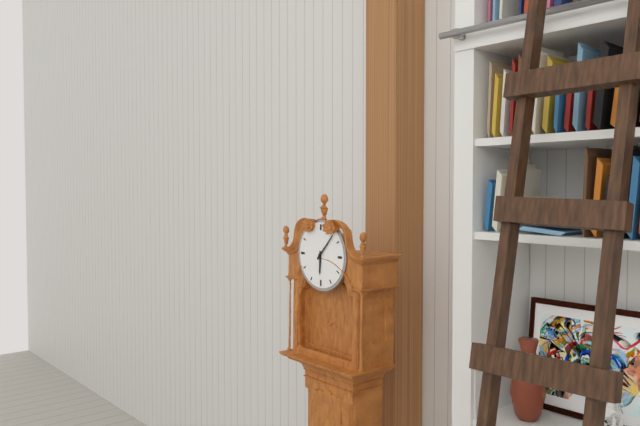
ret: 6:07
